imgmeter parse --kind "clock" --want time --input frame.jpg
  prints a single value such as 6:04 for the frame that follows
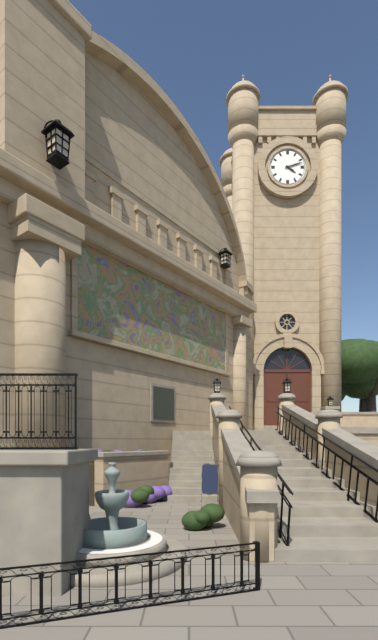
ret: 4:12
